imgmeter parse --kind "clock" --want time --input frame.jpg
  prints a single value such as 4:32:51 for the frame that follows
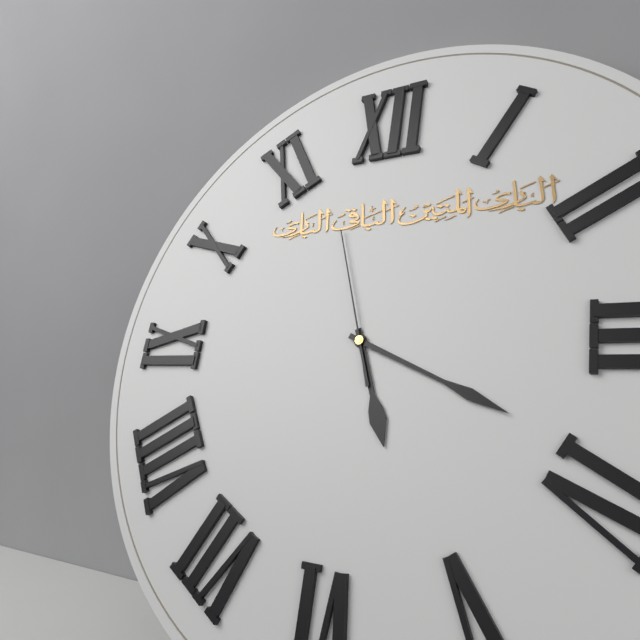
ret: 5:19:57
